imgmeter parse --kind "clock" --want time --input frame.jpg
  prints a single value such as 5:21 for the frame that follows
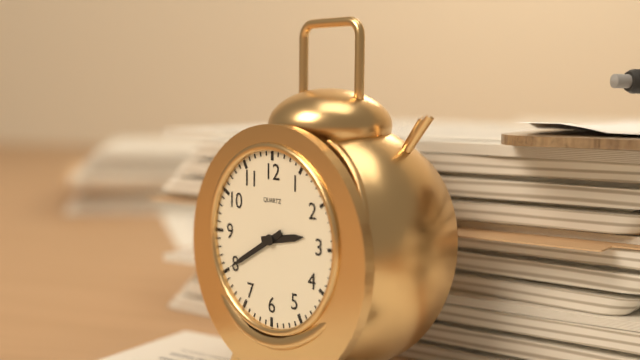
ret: 2:40
